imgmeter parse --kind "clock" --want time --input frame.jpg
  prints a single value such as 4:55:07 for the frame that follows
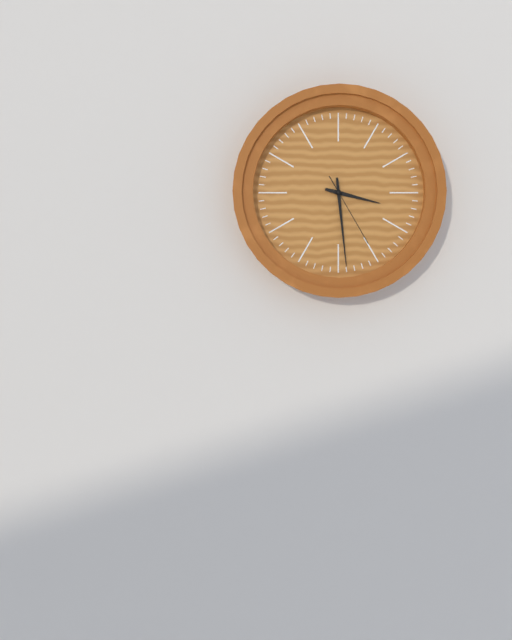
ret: 3:29:25
